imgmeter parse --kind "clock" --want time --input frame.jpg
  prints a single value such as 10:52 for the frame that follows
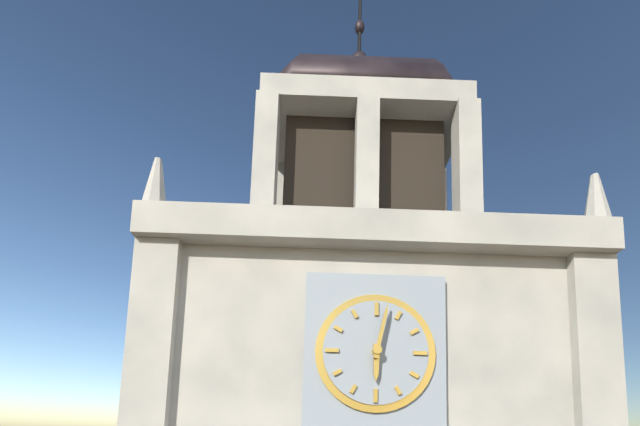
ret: 6:02
